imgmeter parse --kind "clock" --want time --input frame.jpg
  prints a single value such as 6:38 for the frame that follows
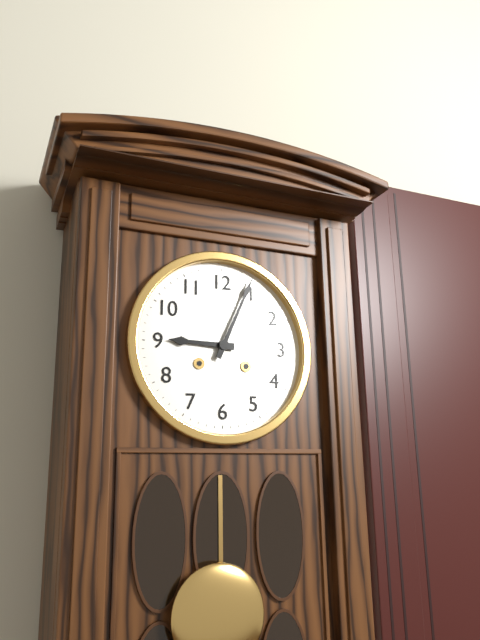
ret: 9:04
